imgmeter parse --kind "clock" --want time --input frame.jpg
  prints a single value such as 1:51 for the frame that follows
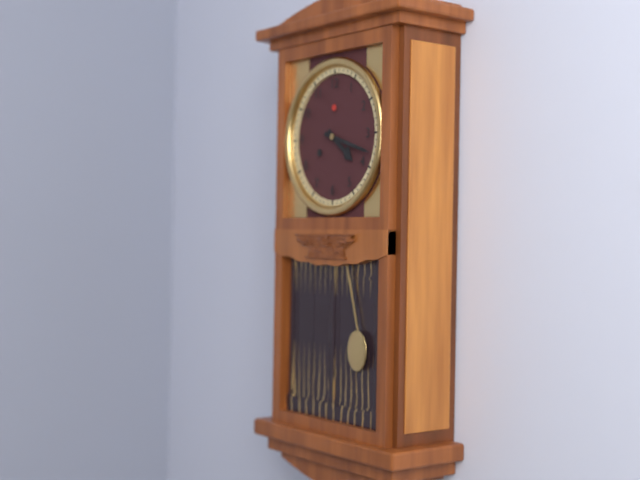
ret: 4:18
